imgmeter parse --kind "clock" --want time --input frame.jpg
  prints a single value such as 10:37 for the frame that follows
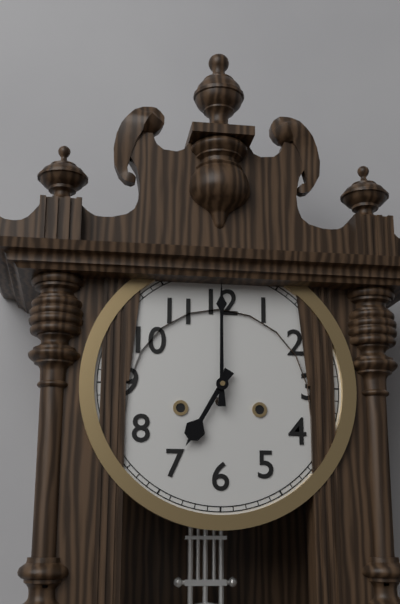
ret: 7:00
